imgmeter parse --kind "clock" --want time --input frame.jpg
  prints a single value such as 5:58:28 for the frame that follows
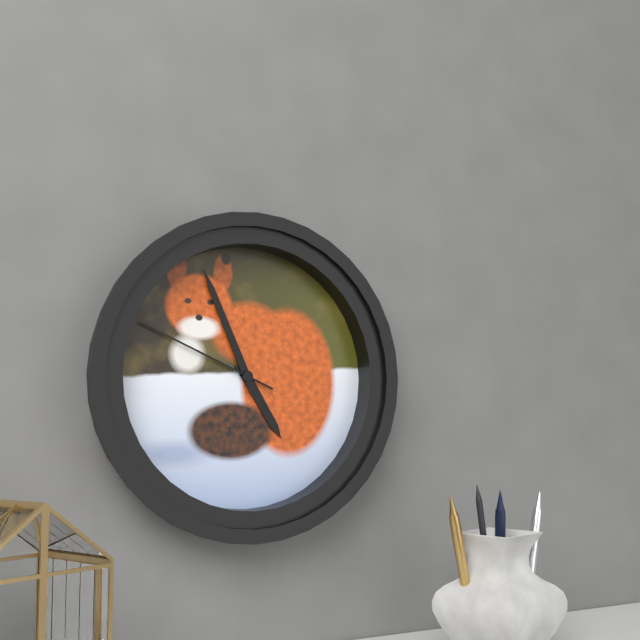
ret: 4:56:49
